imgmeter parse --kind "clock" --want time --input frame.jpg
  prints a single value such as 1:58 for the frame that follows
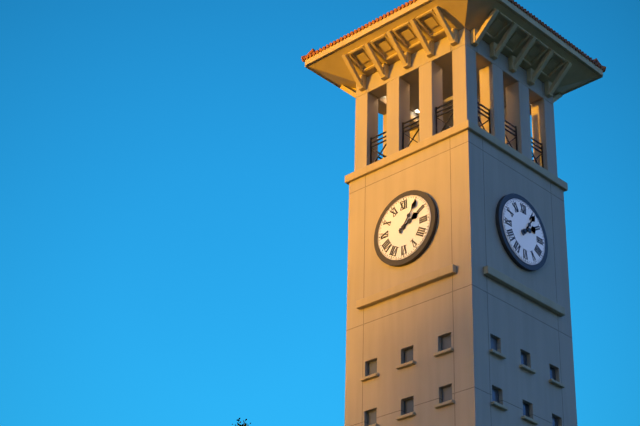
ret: 2:06
